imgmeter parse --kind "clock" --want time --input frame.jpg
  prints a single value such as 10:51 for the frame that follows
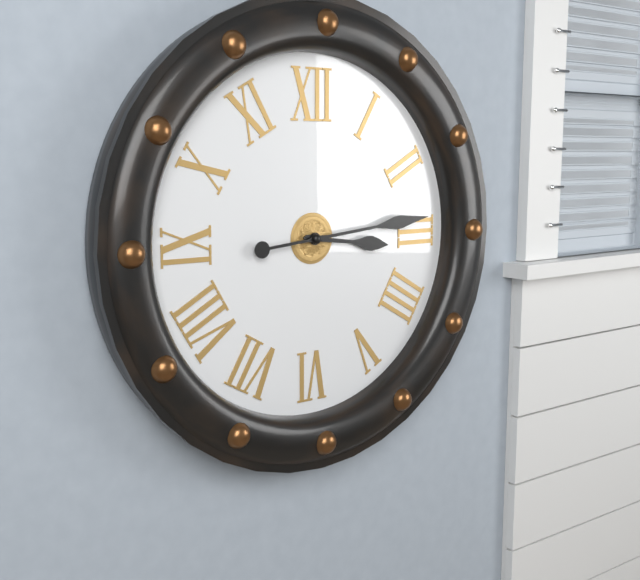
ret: 3:14
